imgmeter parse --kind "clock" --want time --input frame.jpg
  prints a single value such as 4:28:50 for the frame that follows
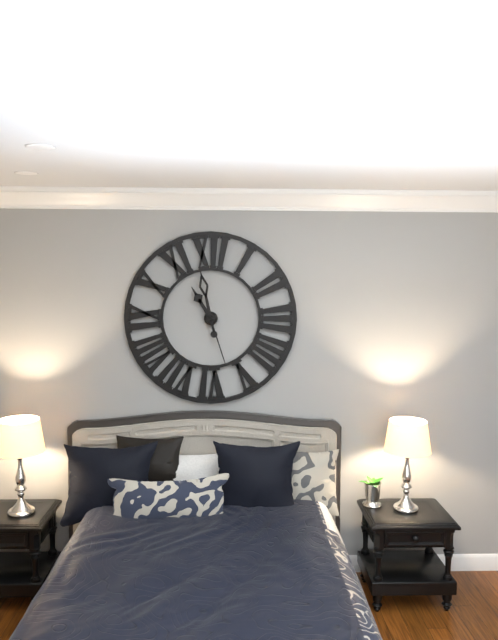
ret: 10:58:27
